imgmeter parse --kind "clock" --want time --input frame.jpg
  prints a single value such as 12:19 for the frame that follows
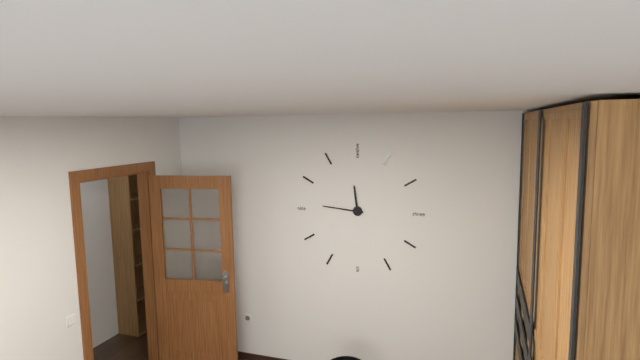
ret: 11:46
